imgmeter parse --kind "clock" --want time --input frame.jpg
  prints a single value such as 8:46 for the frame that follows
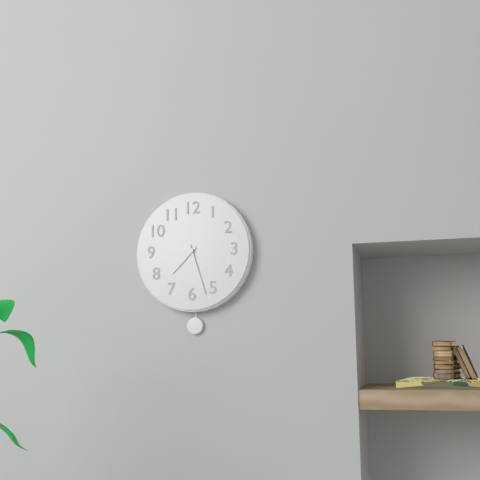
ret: 7:27
